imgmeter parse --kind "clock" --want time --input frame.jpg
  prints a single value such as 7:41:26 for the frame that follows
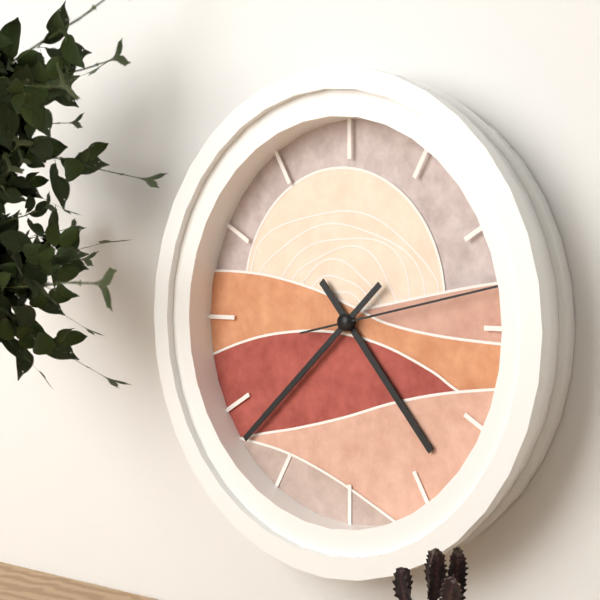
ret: 4:38:13
